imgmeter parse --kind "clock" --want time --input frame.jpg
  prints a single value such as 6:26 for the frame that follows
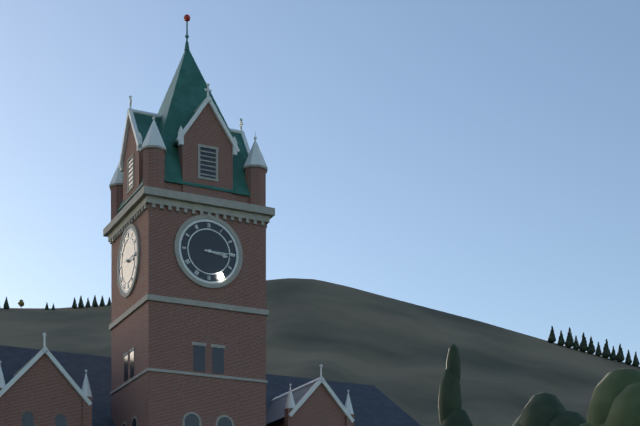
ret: 3:15
